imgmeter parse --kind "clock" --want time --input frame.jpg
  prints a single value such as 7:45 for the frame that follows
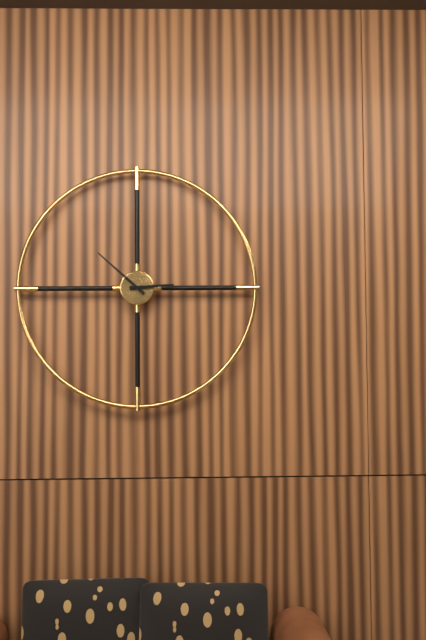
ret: 2:52
